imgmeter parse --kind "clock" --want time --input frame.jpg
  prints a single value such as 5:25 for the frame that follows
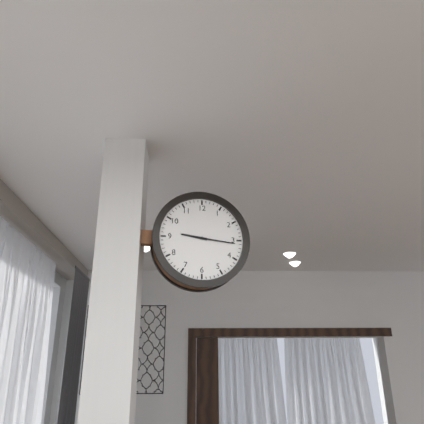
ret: 9:16
